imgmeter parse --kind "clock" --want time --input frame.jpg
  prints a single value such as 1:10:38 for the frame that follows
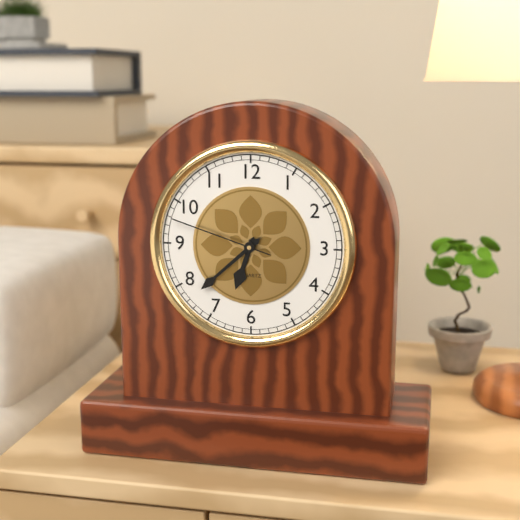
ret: 6:38:48
